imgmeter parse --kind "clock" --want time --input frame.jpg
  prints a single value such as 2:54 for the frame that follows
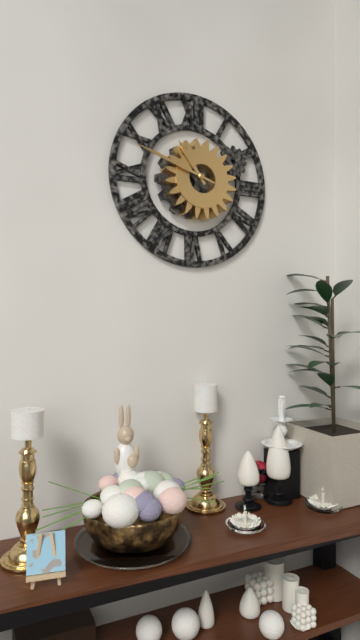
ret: 10:48
